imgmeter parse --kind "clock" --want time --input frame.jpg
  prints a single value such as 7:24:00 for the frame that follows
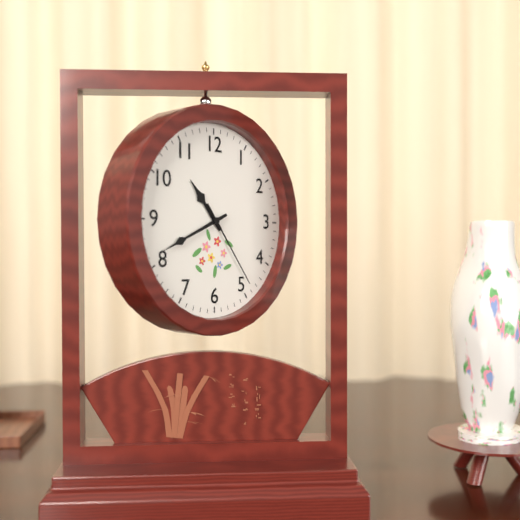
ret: 10:41:24
